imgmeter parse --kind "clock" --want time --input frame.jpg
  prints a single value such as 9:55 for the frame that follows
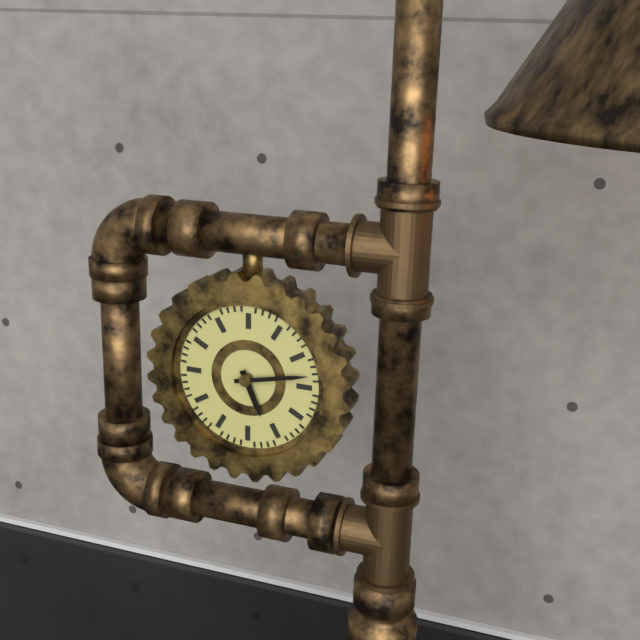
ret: 5:13
